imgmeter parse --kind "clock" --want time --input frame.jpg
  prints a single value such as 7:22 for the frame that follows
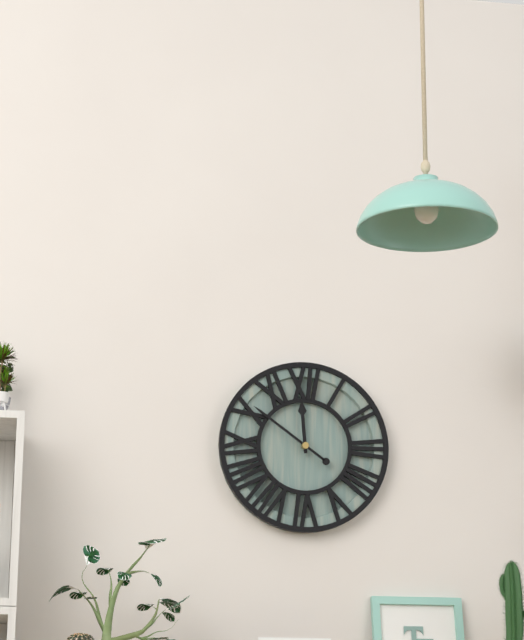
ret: 11:51
